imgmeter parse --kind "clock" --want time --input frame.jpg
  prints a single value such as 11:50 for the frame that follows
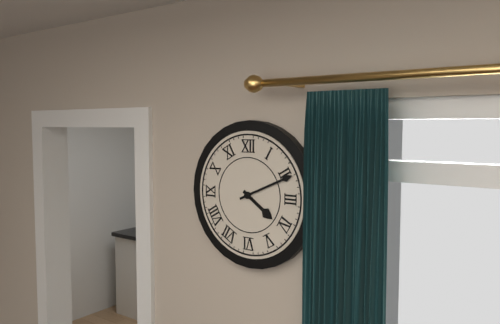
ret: 4:11
